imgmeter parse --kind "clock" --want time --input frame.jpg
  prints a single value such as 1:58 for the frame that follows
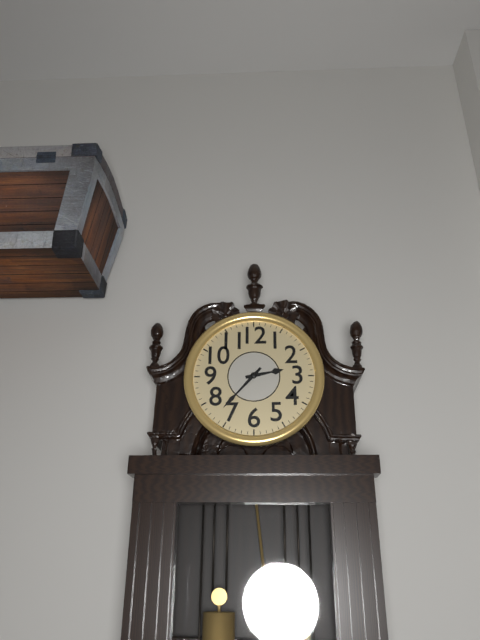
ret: 2:37
